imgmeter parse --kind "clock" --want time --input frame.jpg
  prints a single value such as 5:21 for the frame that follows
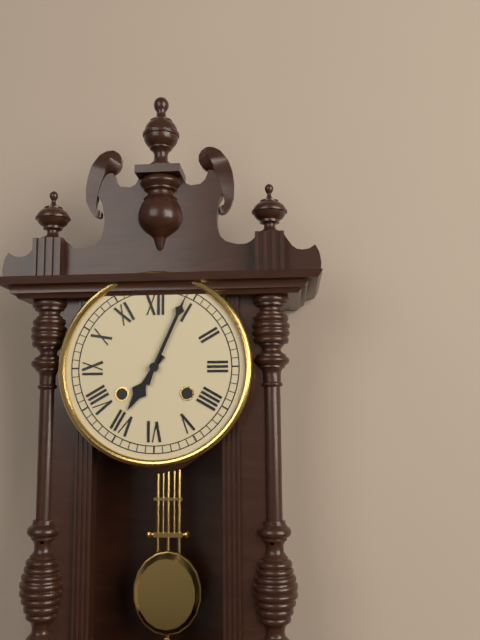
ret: 7:04
